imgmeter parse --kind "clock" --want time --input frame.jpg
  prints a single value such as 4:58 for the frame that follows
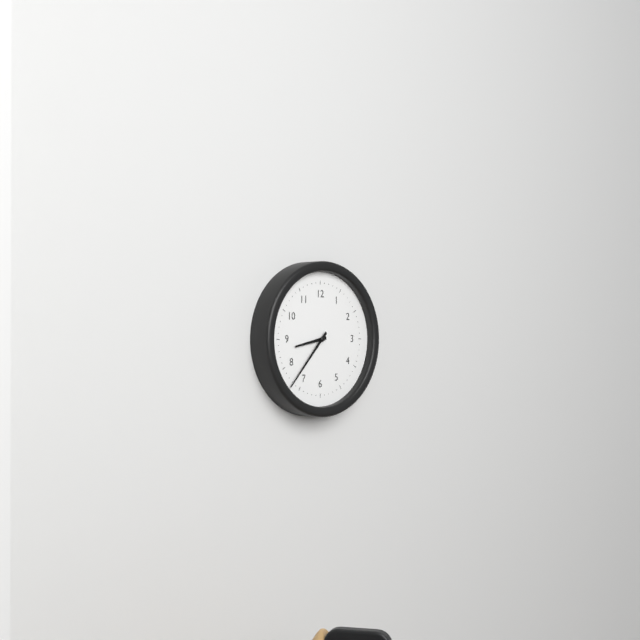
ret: 8:37
